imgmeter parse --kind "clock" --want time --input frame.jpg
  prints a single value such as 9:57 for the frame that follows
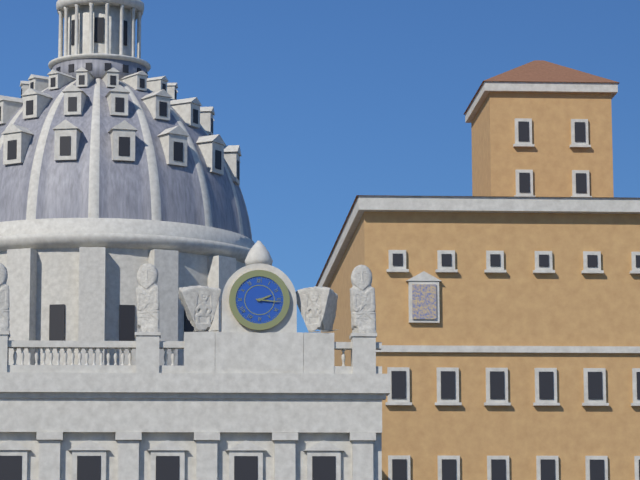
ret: 2:16
